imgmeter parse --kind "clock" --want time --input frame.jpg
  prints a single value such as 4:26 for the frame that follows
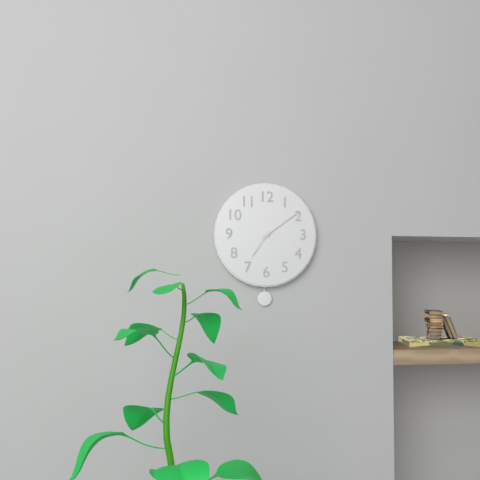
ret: 7:09
